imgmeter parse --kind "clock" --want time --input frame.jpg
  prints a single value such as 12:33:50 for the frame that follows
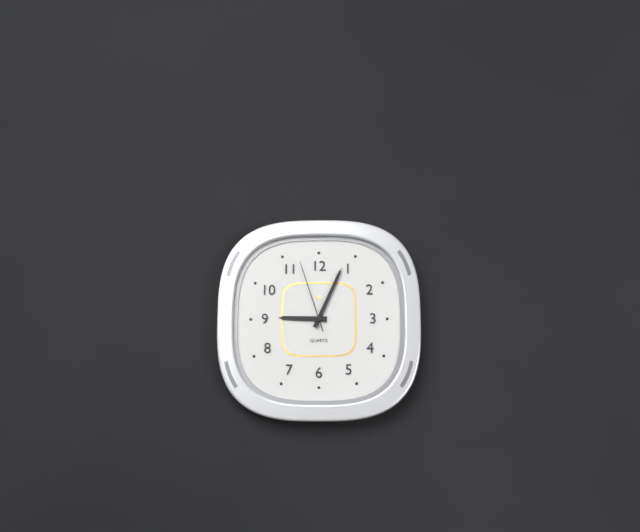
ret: 9:04:57
